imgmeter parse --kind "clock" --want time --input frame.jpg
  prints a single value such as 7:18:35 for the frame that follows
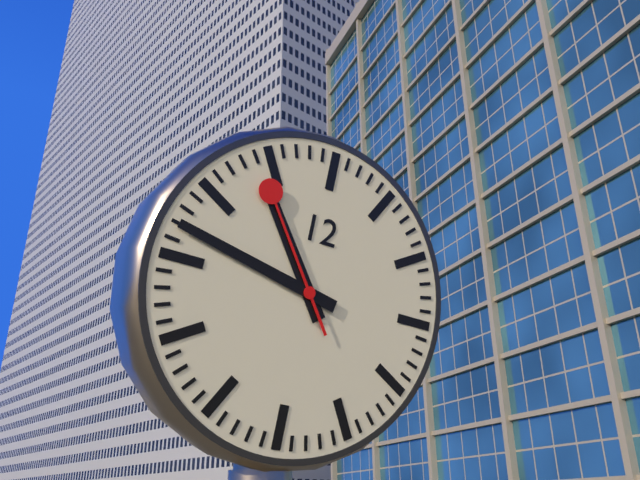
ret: 10:47:54
